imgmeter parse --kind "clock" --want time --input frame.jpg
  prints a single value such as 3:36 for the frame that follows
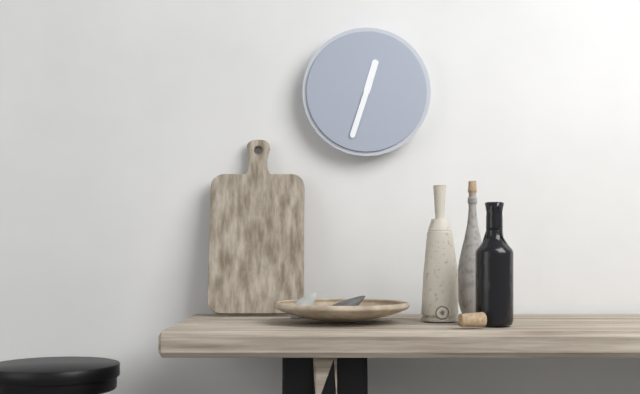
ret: 12:33
